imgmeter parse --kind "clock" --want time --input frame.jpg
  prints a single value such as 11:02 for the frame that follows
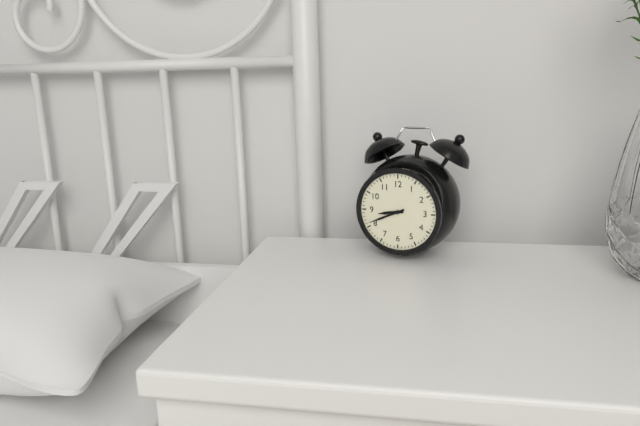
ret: 8:41
